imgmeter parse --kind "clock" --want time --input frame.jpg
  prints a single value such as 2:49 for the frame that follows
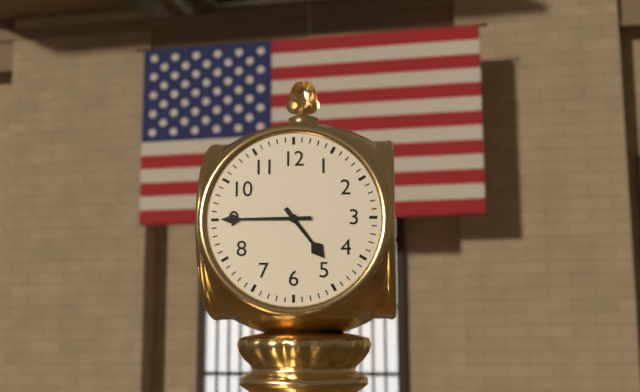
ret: 4:45
